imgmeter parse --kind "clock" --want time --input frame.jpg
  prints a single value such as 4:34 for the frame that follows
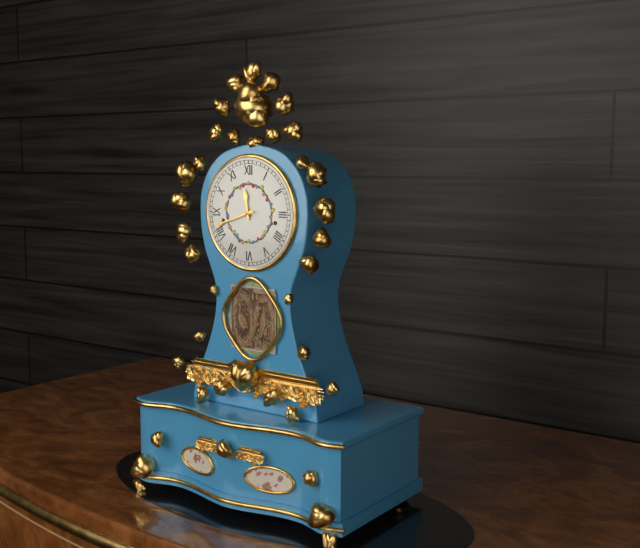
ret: 11:42
